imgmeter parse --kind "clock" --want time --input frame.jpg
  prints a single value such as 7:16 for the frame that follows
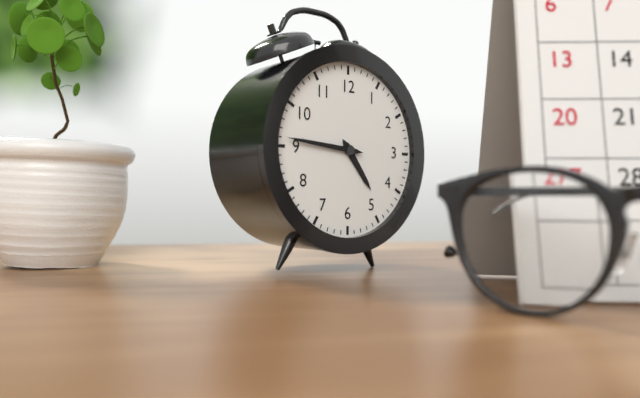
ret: 4:46
